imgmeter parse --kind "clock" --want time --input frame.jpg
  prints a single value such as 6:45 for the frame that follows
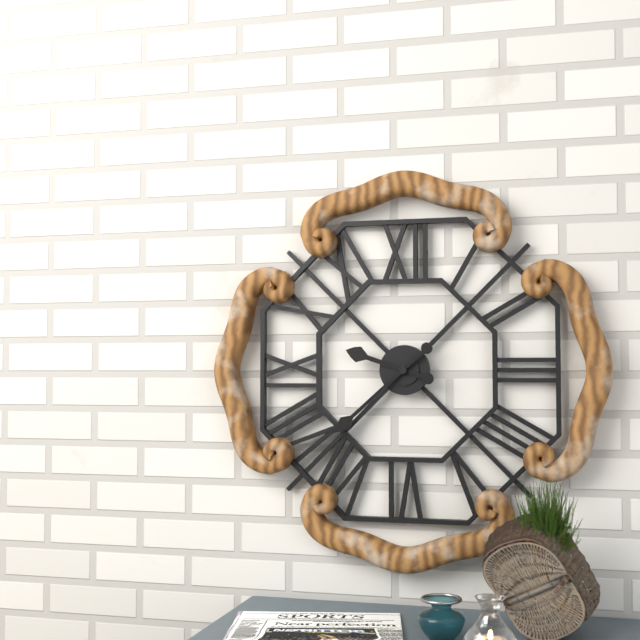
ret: 9:38
